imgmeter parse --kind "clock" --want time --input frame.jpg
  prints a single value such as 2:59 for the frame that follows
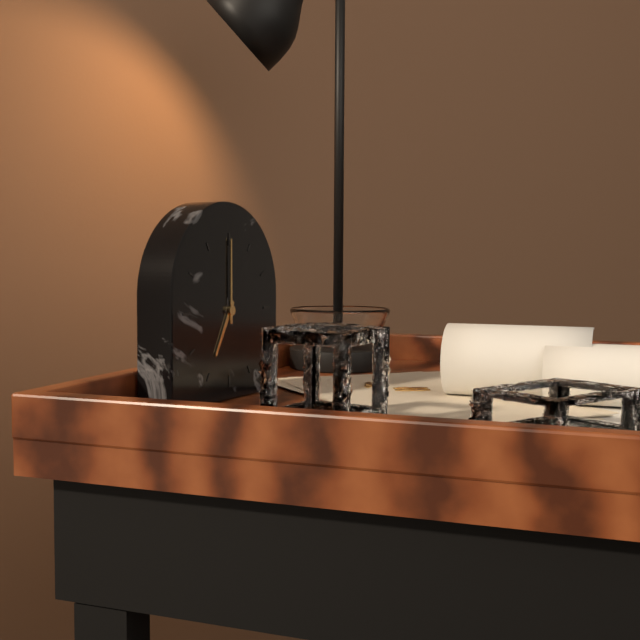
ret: 7:00
